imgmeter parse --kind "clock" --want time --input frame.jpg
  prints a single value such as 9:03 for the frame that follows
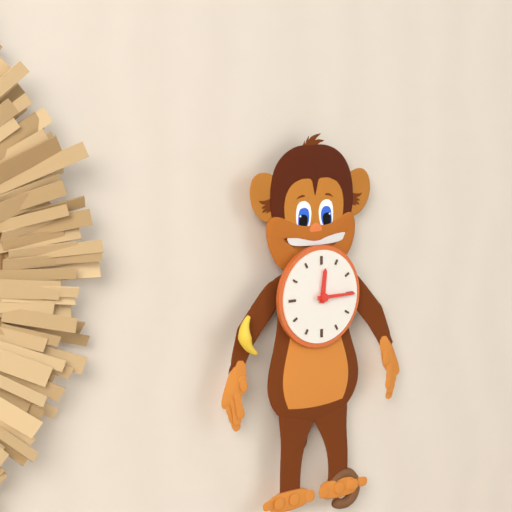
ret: 12:15
